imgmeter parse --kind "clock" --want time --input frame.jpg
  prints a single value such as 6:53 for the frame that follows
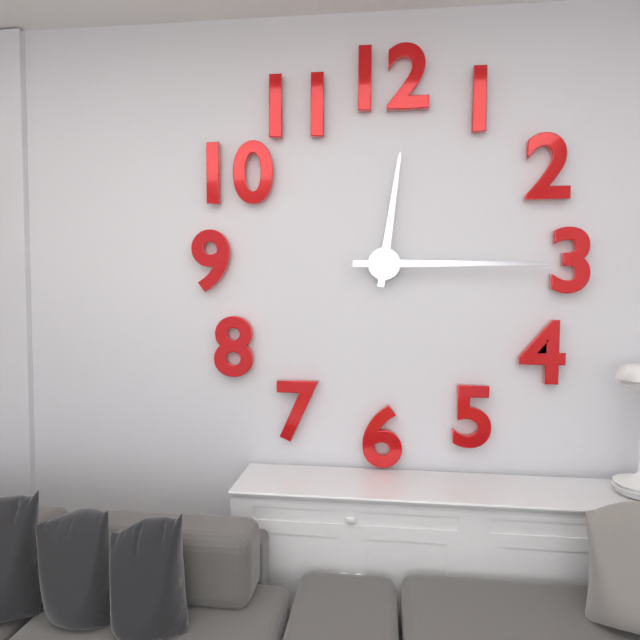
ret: 12:15
